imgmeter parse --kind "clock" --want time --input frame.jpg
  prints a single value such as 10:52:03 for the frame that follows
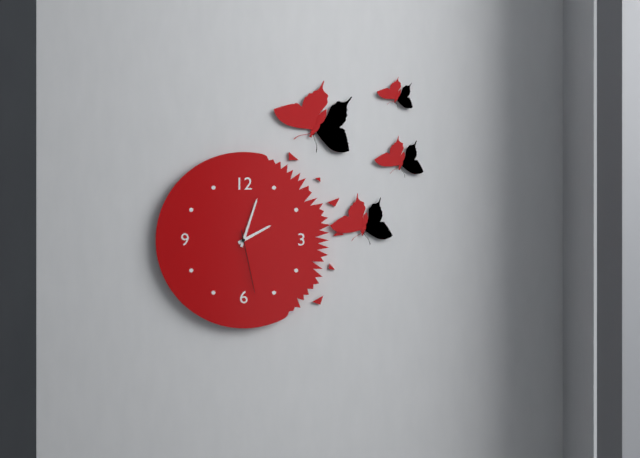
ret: 2:03:28
